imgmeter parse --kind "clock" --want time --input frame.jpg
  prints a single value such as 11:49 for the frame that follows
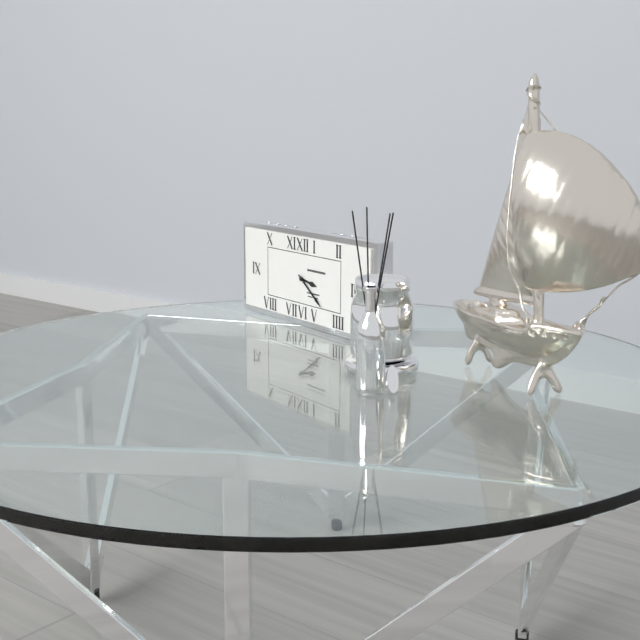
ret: 3:21
